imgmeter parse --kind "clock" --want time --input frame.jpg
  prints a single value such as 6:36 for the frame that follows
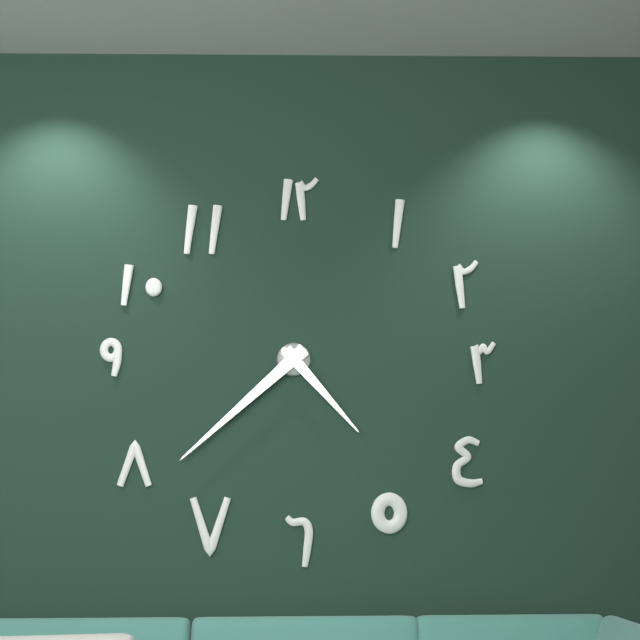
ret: 4:38
